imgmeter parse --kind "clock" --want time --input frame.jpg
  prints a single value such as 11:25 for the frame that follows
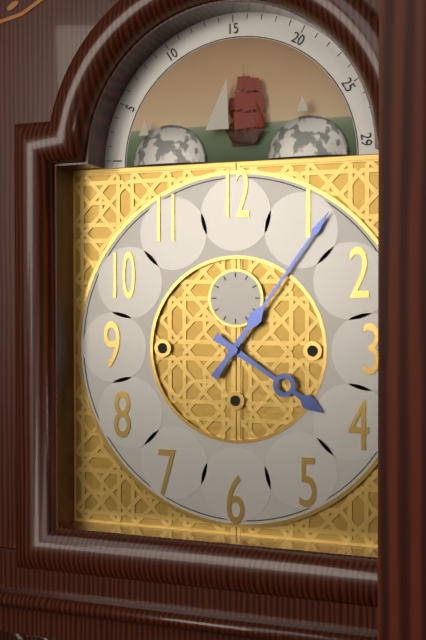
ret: 4:06
